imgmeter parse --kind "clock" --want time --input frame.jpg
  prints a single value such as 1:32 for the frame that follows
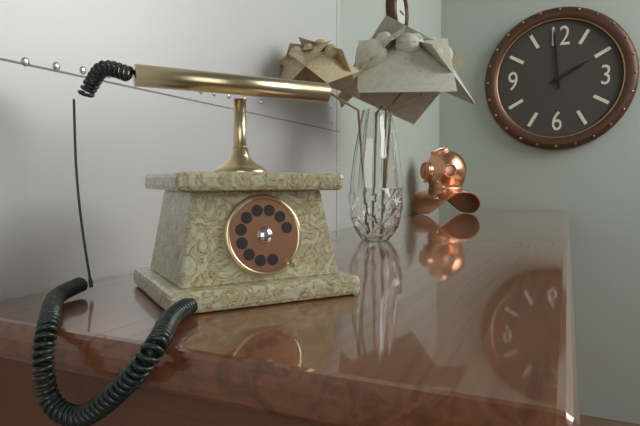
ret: 1:59
